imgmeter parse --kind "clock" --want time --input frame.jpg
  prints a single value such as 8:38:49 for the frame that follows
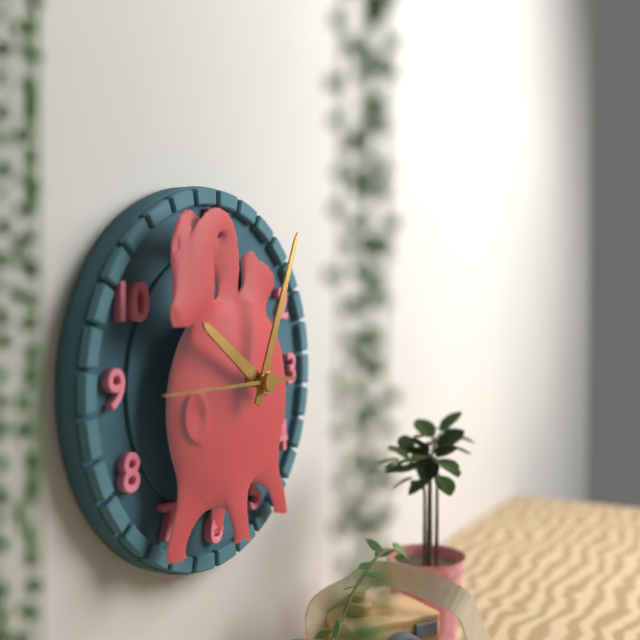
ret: 10:04:45
